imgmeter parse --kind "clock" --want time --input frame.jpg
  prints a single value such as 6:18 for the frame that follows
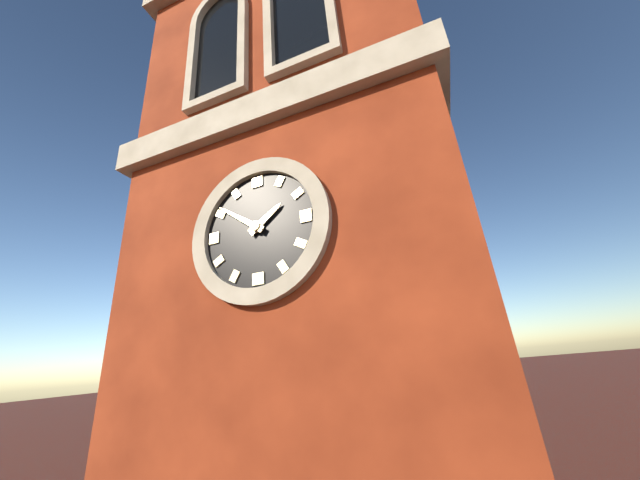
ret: 1:51
